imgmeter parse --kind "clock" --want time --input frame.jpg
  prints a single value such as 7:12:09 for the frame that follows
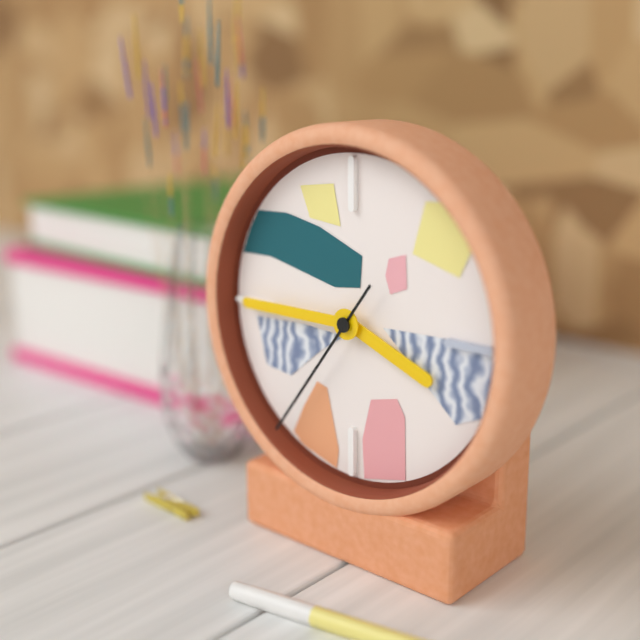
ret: 3:45:36
